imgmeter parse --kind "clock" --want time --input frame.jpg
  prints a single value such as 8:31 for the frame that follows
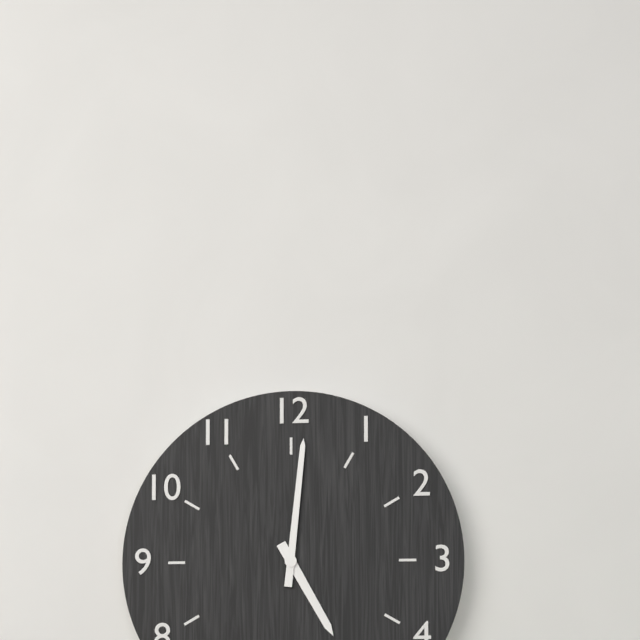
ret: 5:01
